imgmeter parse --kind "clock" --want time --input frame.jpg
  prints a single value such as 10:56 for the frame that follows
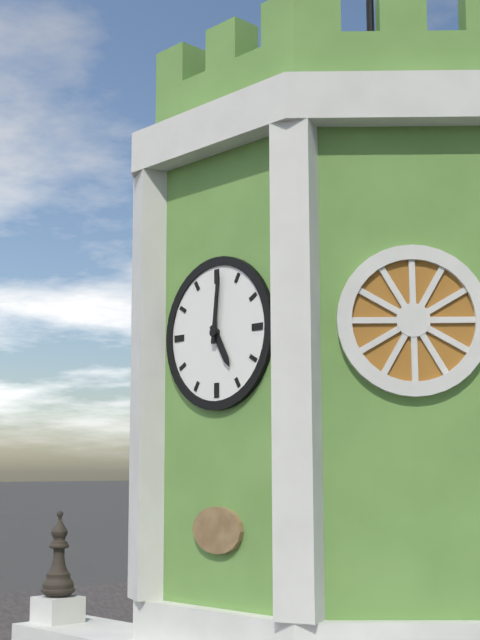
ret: 5:01
